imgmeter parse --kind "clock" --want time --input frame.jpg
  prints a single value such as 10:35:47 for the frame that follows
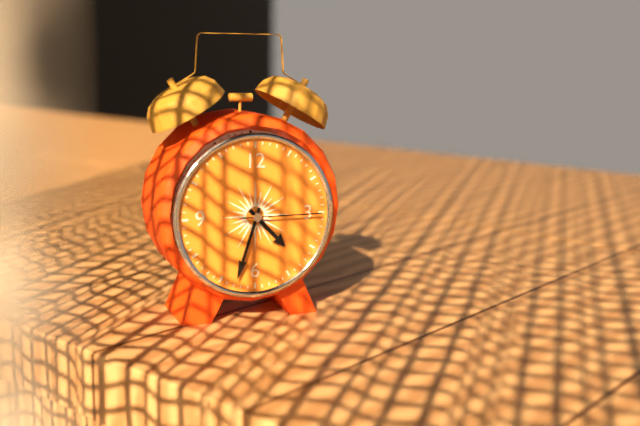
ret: 4:33:15
